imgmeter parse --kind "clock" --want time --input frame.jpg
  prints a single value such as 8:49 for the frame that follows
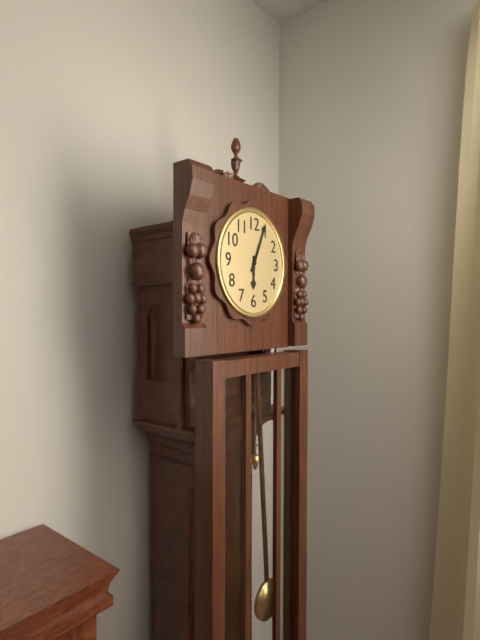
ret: 6:04
